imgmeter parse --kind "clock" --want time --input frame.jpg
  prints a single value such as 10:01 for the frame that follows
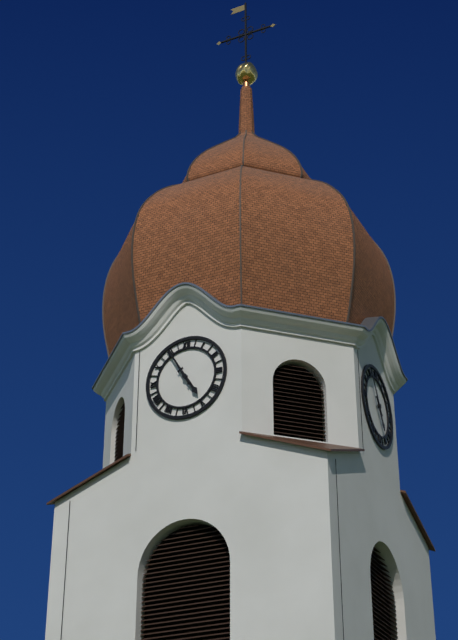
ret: 4:55
